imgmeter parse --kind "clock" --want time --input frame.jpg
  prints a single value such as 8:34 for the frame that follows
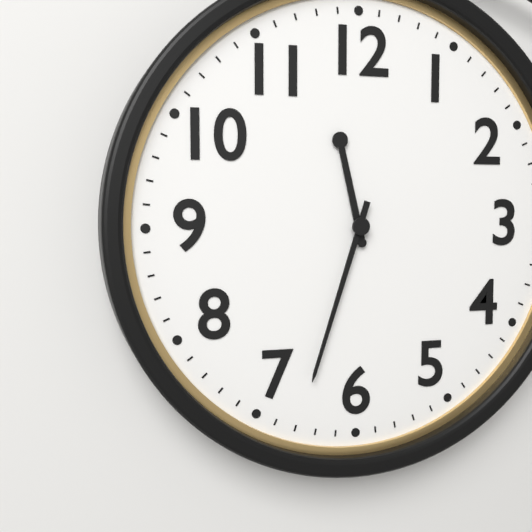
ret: 11:33
